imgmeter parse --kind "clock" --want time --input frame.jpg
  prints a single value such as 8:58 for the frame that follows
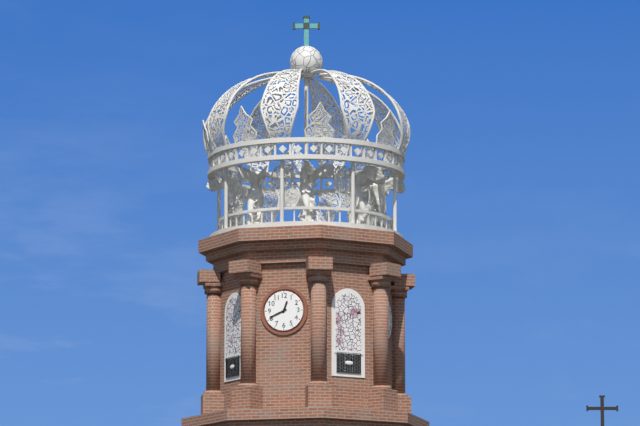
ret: 12:41
